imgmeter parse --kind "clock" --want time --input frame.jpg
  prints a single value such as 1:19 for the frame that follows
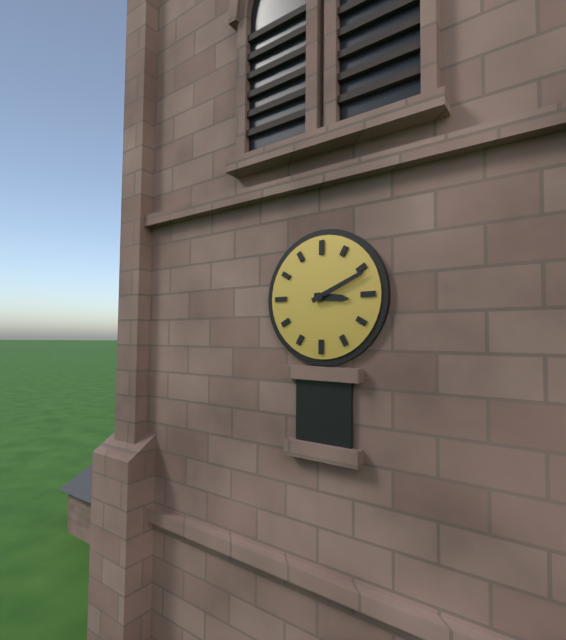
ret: 3:11
